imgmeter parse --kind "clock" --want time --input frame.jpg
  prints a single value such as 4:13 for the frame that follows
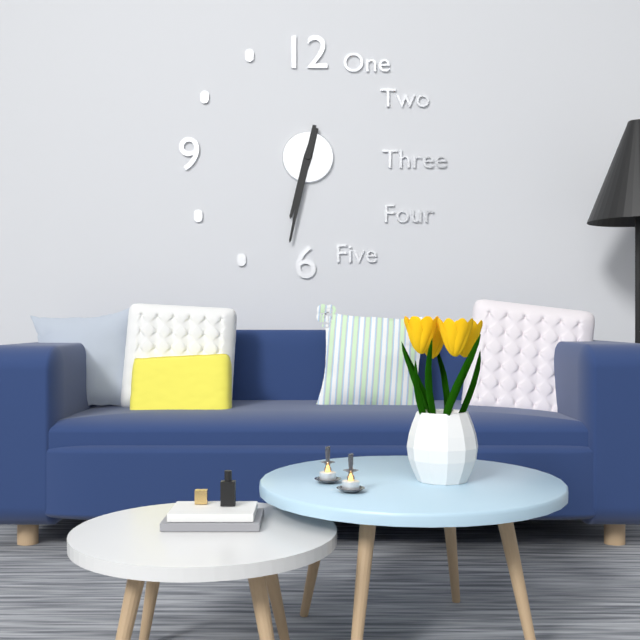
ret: 6:32
